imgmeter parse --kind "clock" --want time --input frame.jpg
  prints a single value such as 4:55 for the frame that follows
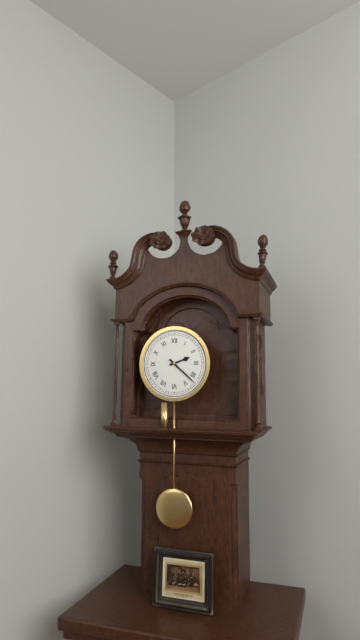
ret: 2:22
